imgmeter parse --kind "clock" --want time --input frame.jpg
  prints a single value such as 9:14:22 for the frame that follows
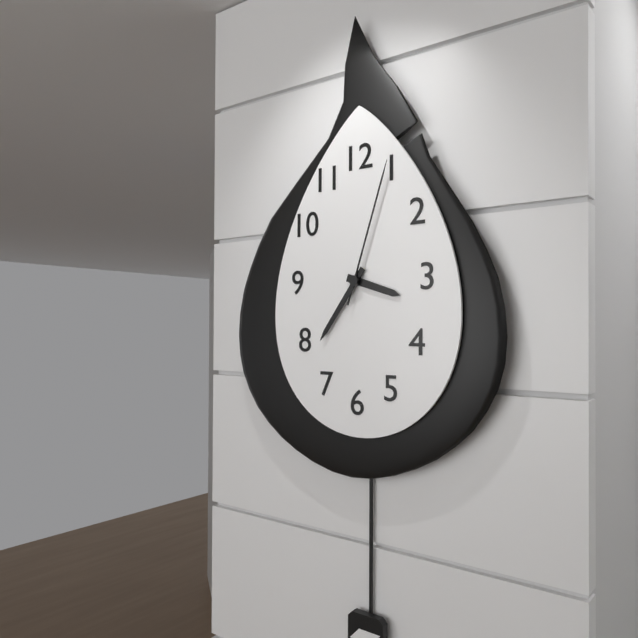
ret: 3:36:03
